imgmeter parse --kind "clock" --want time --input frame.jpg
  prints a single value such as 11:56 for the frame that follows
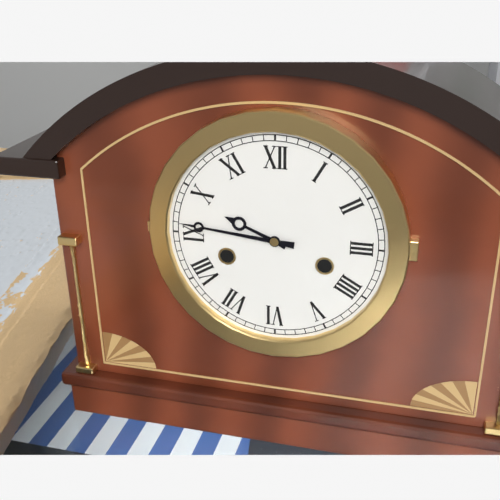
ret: 9:46
